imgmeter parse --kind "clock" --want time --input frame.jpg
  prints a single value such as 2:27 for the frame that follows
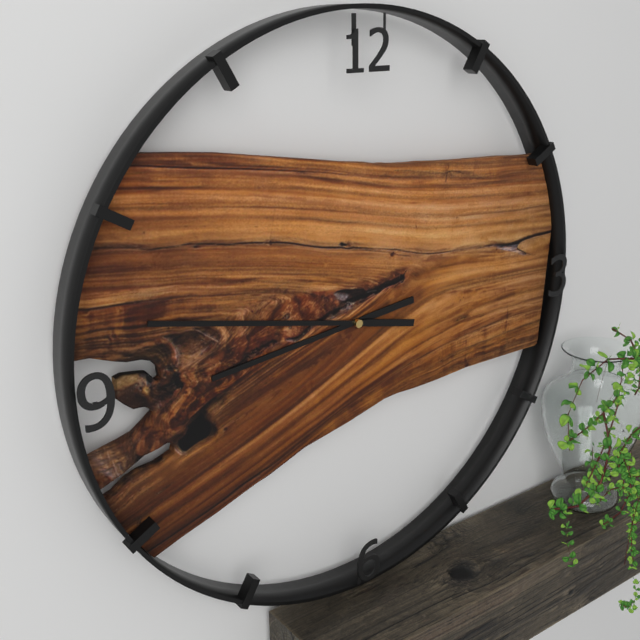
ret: 8:47
